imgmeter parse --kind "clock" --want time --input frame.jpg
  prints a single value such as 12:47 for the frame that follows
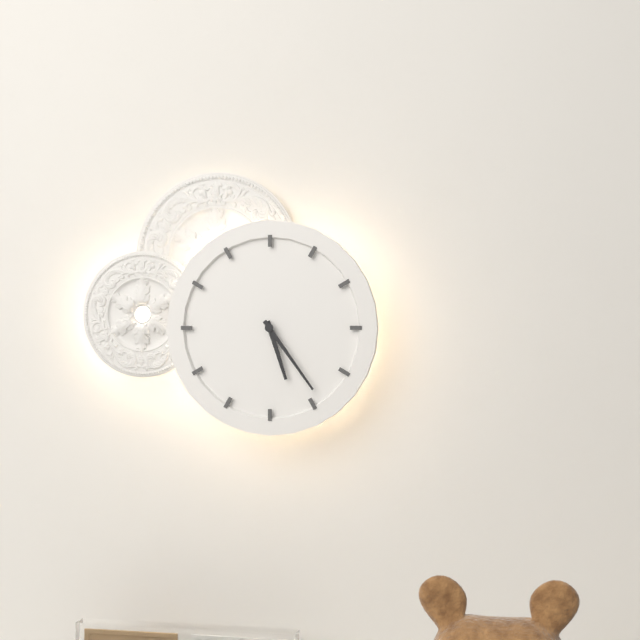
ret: 5:24
